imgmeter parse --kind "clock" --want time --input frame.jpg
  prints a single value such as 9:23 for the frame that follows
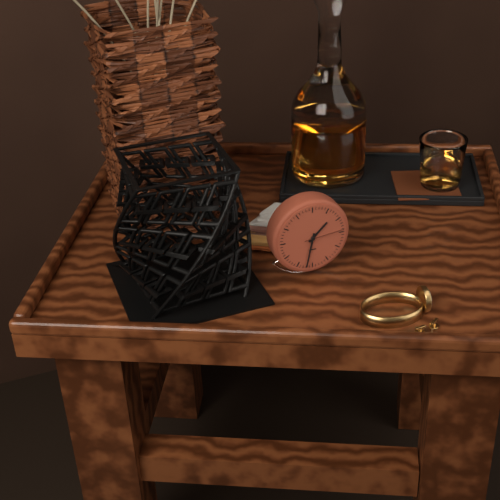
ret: 1:32
